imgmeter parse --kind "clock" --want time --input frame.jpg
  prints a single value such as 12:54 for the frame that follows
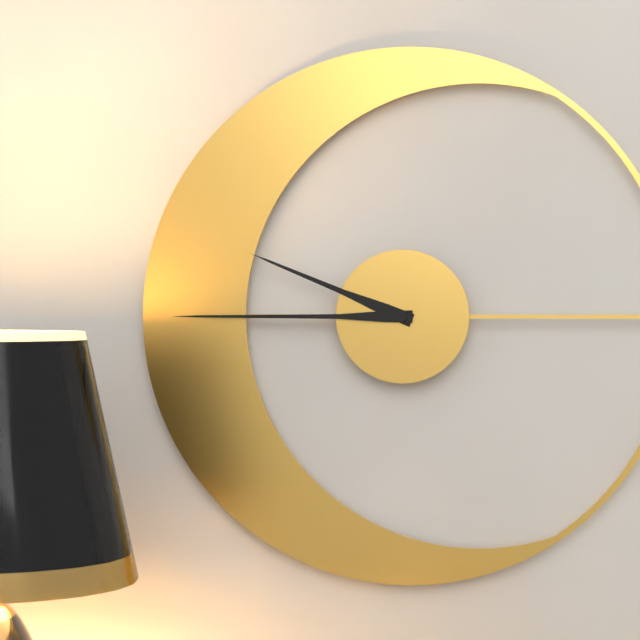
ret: 9:45
